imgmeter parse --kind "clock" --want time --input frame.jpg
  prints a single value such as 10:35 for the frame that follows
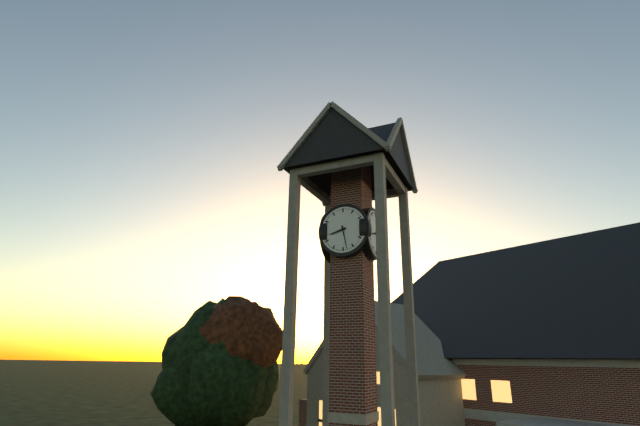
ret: 8:28
